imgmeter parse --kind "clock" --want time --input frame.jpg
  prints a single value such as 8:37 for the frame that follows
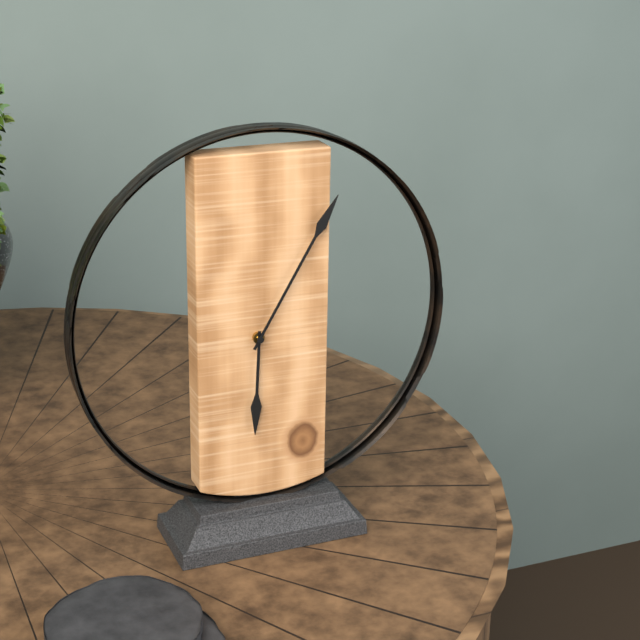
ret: 6:05
